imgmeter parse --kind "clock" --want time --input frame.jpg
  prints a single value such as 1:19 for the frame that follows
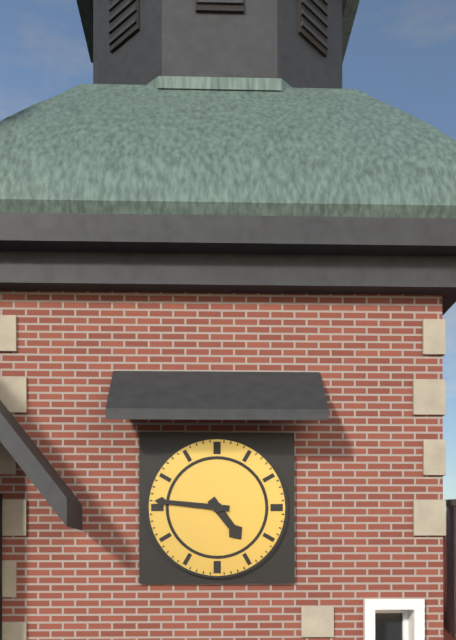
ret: 4:46
